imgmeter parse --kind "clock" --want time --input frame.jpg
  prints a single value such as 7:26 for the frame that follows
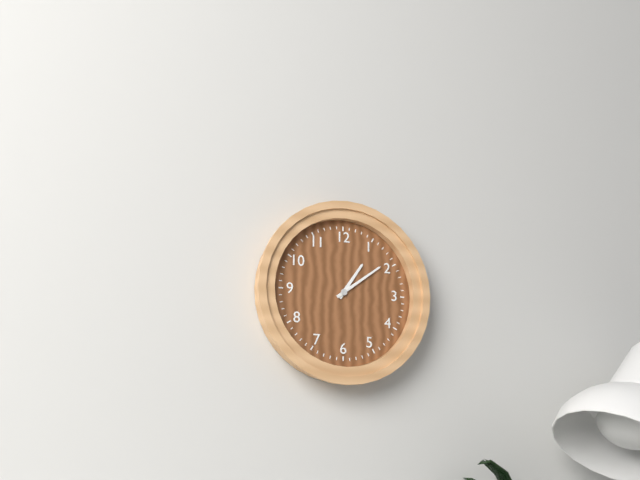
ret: 1:09
